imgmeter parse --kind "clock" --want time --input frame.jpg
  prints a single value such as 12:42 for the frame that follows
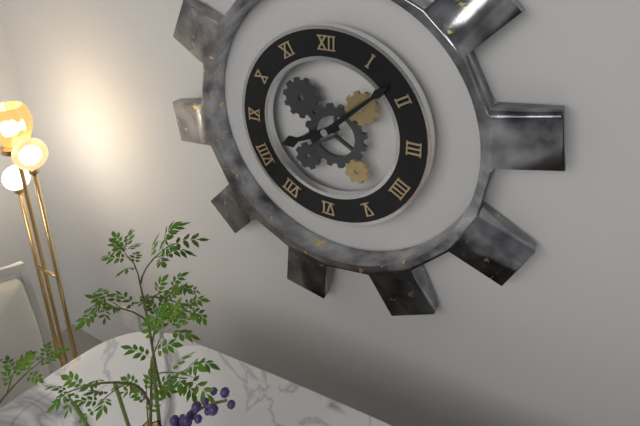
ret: 8:08
